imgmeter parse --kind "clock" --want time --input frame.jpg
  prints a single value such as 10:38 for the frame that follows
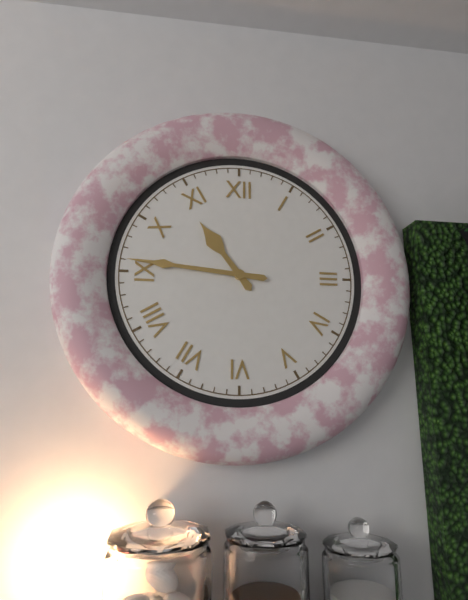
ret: 10:46
